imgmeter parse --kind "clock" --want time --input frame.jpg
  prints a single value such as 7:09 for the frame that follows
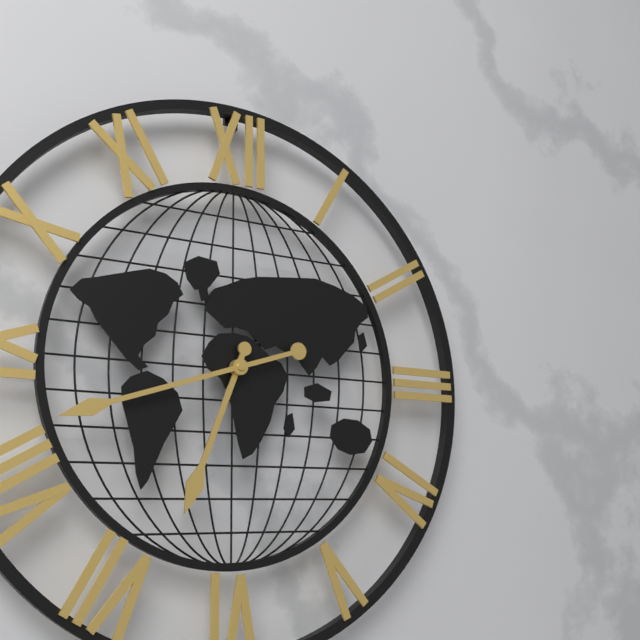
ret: 6:42
